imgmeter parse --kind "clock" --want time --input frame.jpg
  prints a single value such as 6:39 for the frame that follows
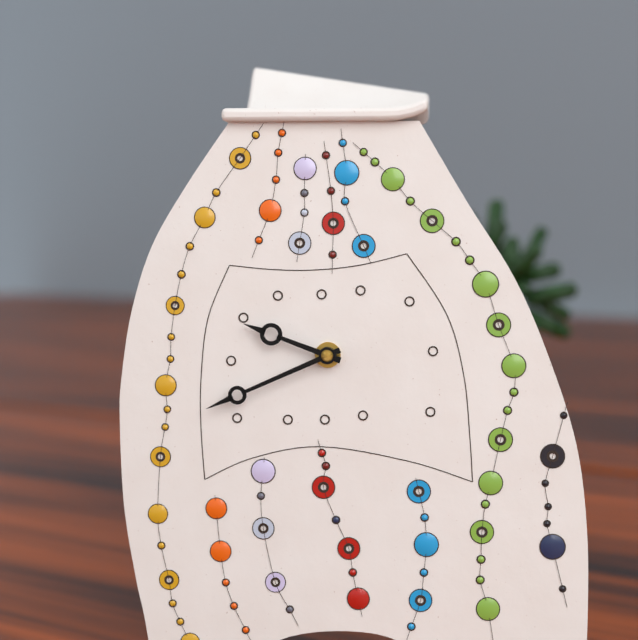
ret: 9:41
